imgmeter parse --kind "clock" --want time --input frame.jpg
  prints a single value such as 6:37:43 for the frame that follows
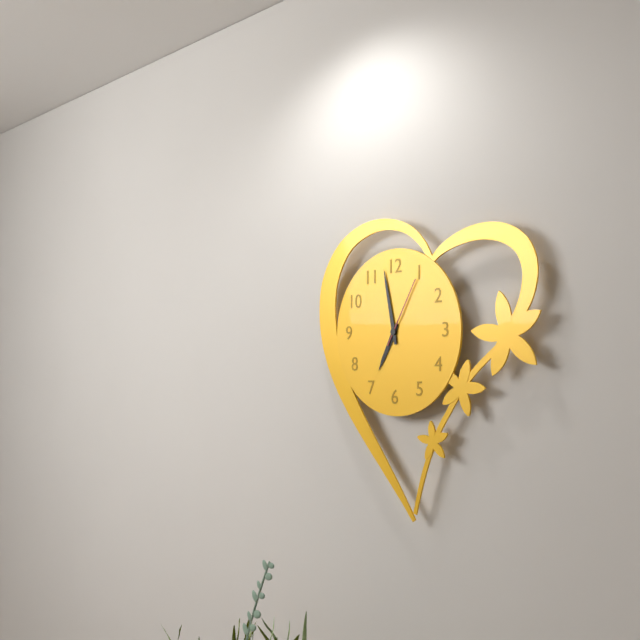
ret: 6:58:05
